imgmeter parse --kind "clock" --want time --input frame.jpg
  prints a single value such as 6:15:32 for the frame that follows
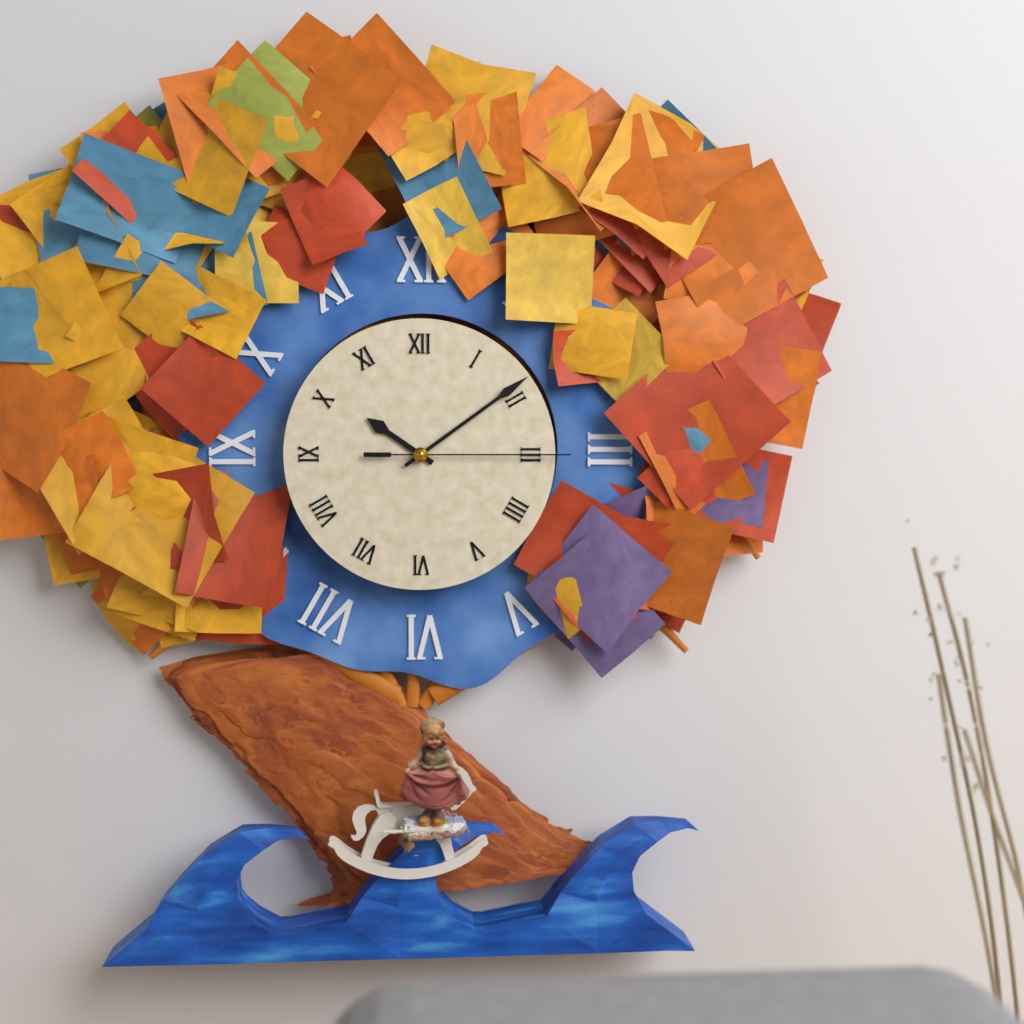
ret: 10:09:15
